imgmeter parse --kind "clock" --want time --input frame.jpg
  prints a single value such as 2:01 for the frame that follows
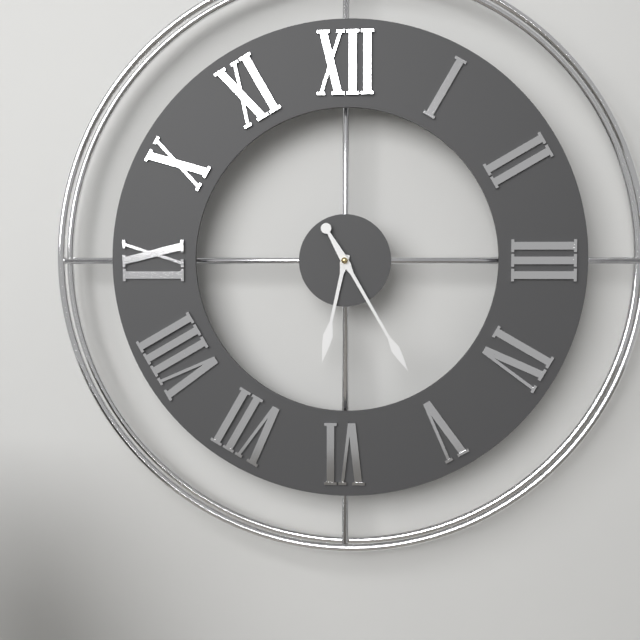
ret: 6:25
